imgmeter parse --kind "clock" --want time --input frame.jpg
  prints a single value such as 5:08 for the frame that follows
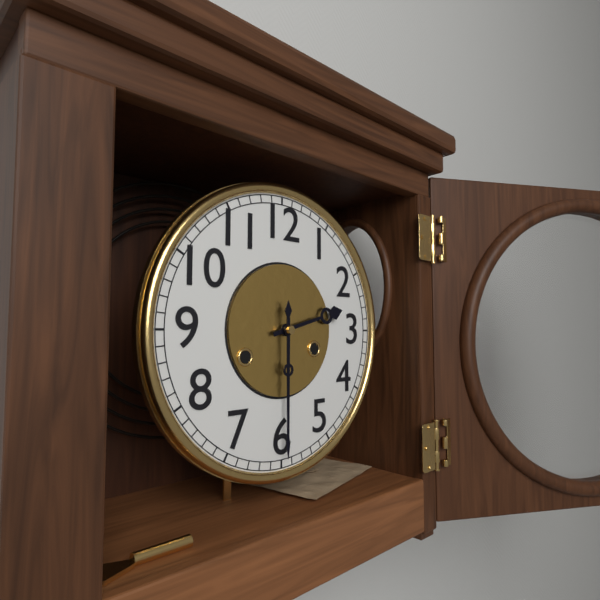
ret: 2:30
